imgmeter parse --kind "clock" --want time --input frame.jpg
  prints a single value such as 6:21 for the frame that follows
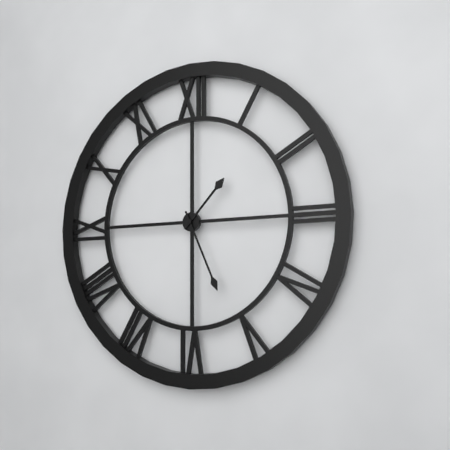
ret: 1:26
